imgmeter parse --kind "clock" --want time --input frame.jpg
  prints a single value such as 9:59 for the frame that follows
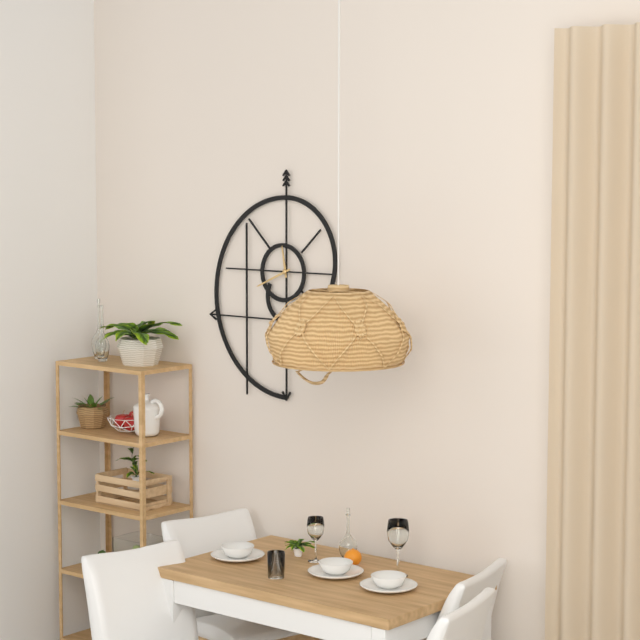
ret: 11:41
